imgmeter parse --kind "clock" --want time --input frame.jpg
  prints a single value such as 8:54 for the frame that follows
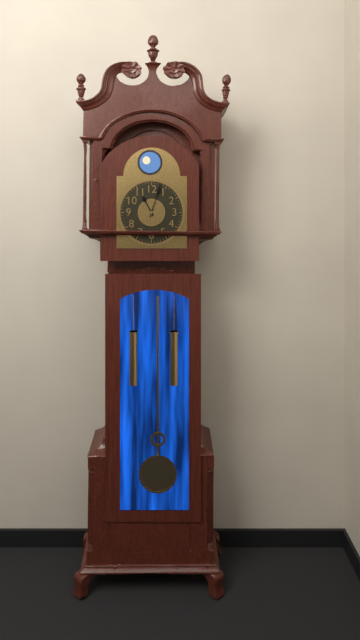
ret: 11:03
